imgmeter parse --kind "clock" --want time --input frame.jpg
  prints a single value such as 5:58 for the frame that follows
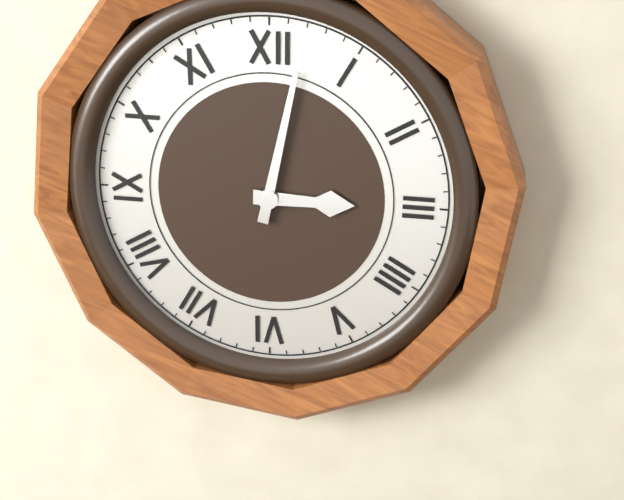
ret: 3:02
